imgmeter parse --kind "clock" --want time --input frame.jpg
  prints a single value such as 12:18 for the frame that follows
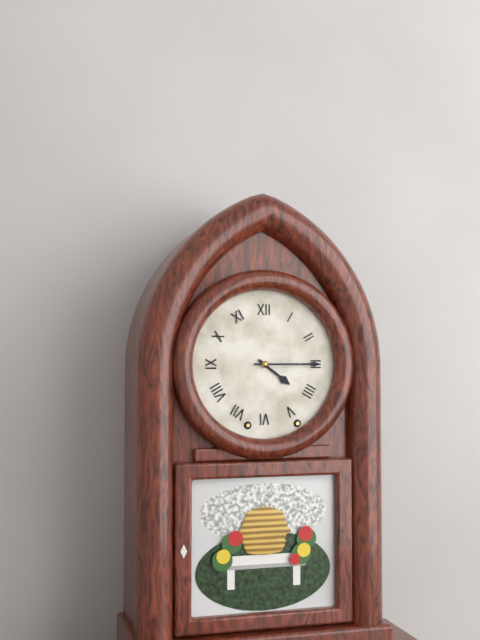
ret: 4:15
